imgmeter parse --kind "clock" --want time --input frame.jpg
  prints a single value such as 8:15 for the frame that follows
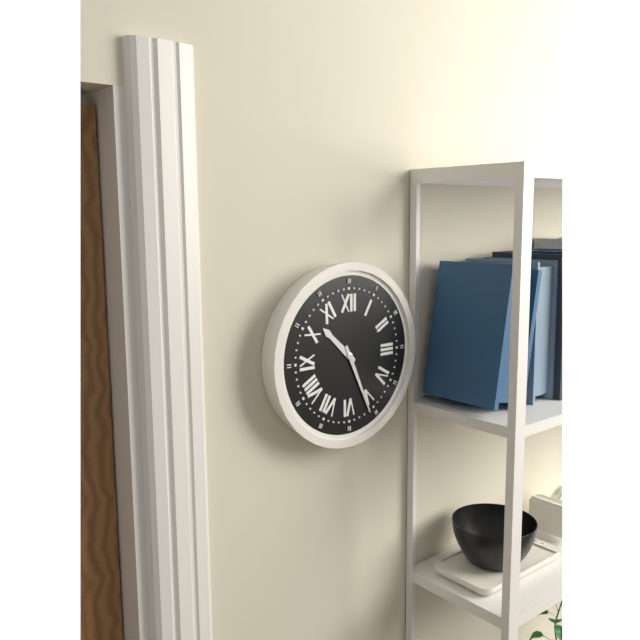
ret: 10:26
